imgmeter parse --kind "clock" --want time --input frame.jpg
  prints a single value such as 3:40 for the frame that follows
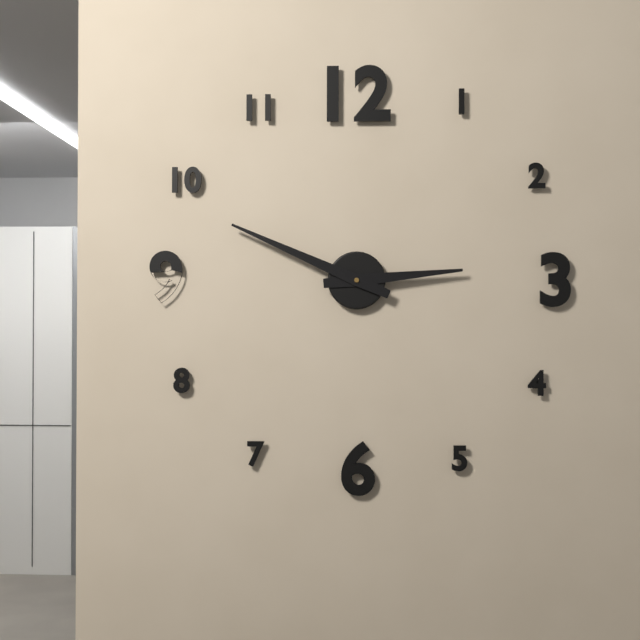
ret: 2:49
